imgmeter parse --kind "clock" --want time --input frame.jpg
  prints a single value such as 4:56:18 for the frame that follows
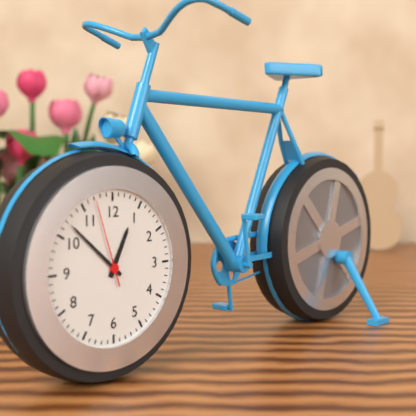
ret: 12:52:57
